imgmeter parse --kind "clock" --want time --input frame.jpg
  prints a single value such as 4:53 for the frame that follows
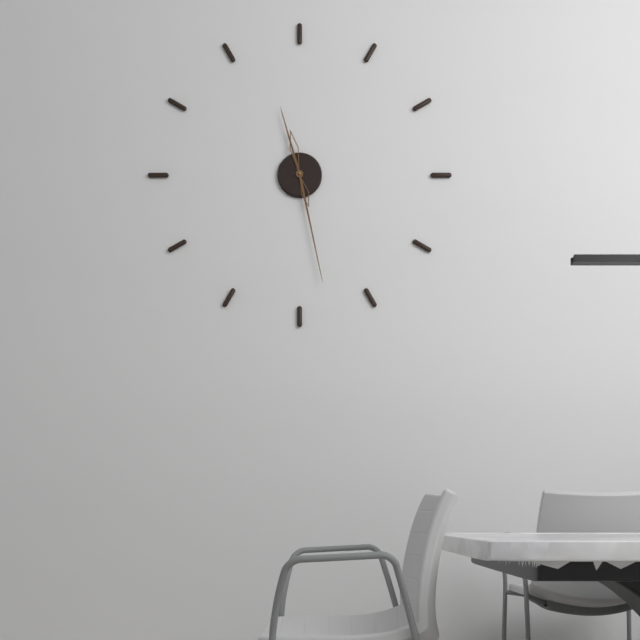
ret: 11:28
